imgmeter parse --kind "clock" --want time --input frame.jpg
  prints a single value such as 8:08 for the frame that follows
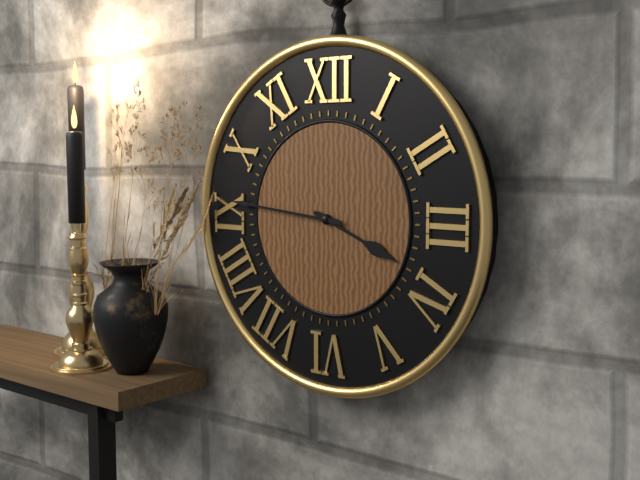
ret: 3:46
